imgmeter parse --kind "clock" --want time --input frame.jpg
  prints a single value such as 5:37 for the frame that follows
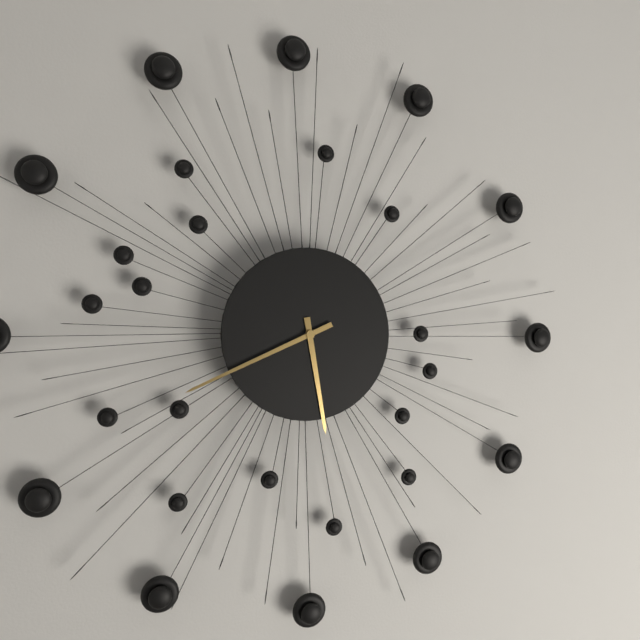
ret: 5:41
